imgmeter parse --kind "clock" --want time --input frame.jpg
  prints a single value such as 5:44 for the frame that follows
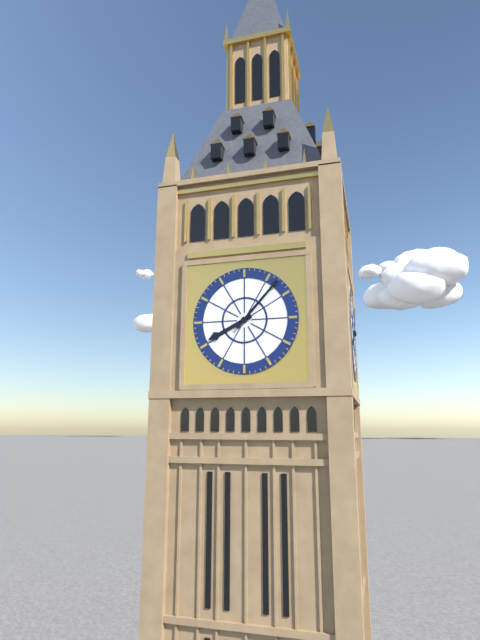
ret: 8:07
